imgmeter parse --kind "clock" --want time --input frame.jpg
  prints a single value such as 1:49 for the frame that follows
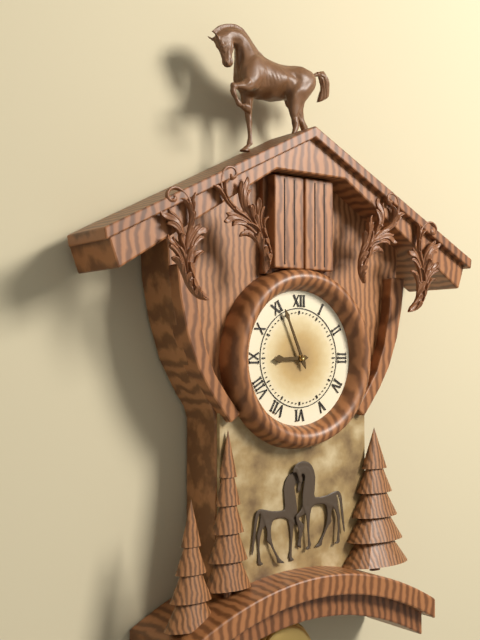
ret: 8:56
